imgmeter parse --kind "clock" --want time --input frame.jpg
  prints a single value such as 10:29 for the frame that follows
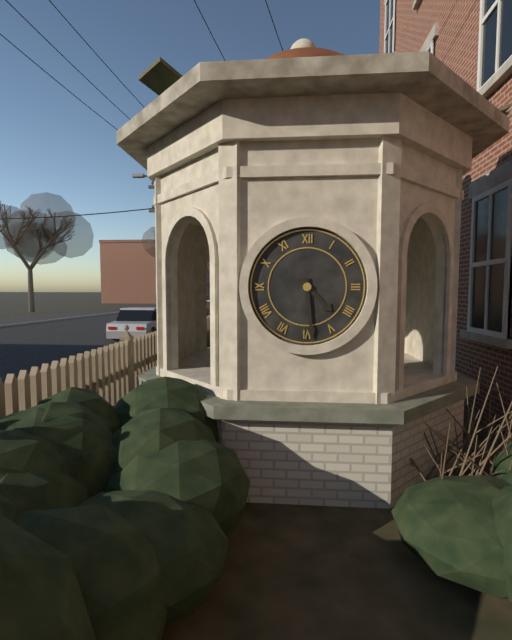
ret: 4:29
